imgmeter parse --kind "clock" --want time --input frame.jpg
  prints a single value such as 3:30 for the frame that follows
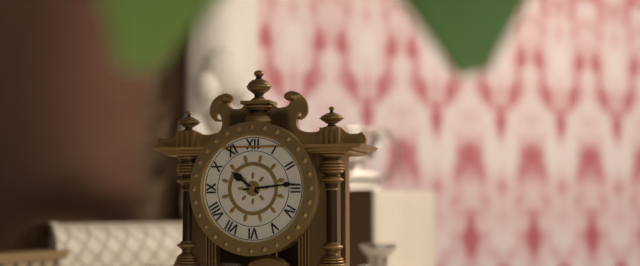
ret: 10:14
